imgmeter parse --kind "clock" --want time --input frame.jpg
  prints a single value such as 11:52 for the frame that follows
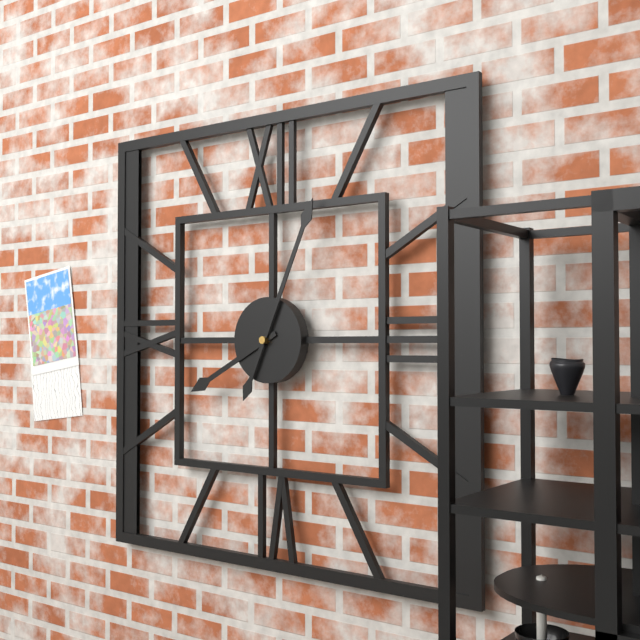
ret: 8:04
